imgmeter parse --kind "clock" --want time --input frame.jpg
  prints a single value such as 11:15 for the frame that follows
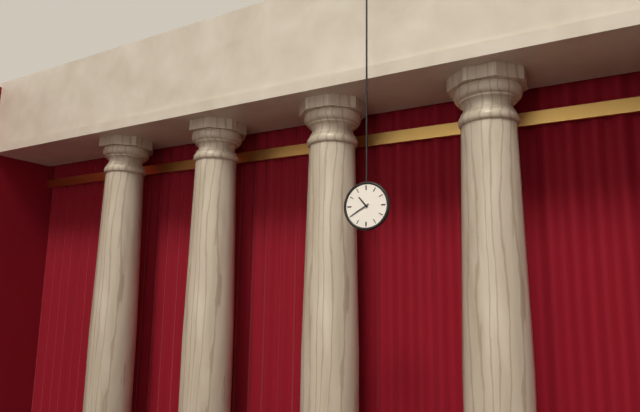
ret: 10:40
